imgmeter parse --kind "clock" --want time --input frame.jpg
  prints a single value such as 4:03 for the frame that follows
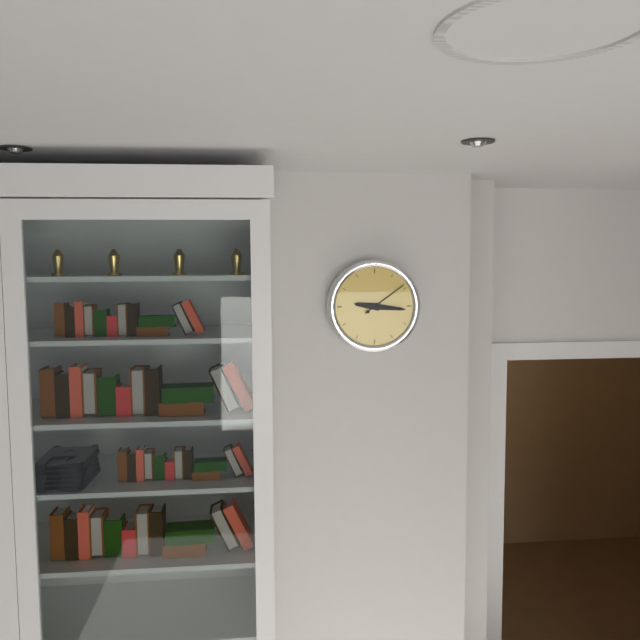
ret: 9:16
